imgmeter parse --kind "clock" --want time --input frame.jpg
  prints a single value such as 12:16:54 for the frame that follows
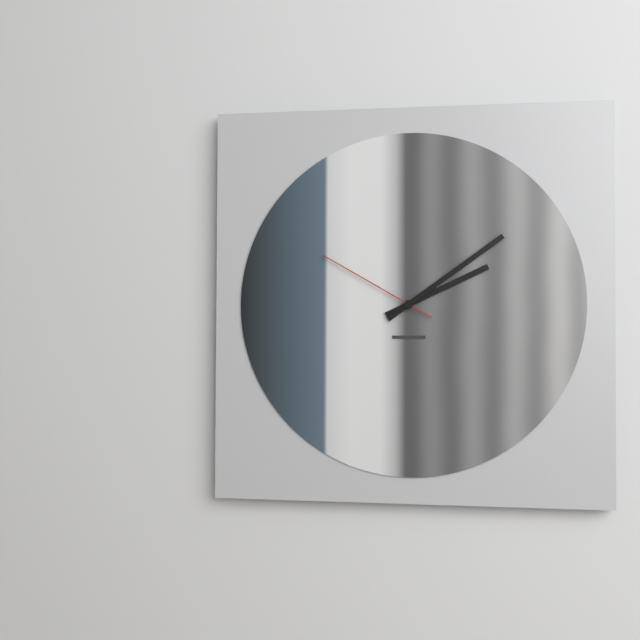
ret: 2:09:50
